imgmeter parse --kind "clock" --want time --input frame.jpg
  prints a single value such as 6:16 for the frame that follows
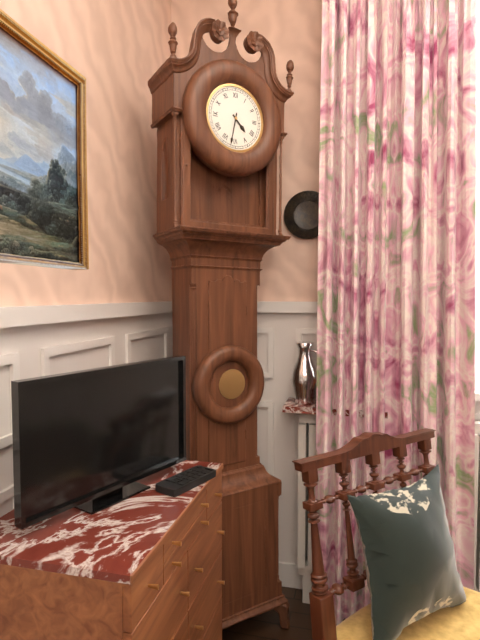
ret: 4:32
